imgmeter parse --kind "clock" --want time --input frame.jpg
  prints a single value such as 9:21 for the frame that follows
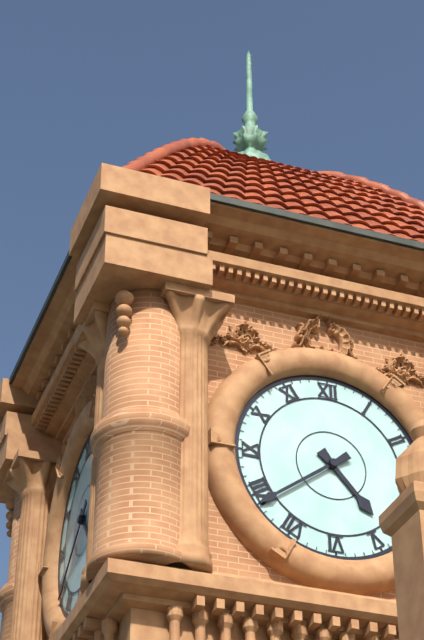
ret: 4:39
